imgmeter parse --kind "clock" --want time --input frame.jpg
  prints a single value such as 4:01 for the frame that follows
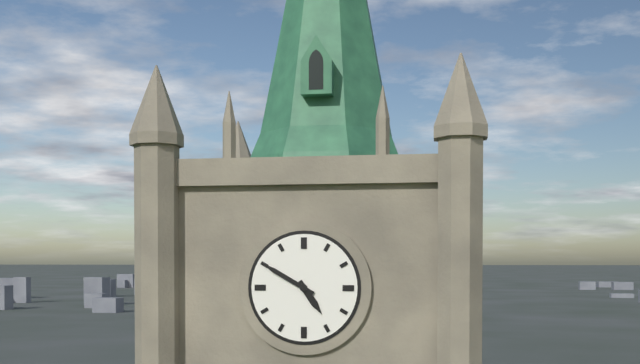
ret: 4:50
